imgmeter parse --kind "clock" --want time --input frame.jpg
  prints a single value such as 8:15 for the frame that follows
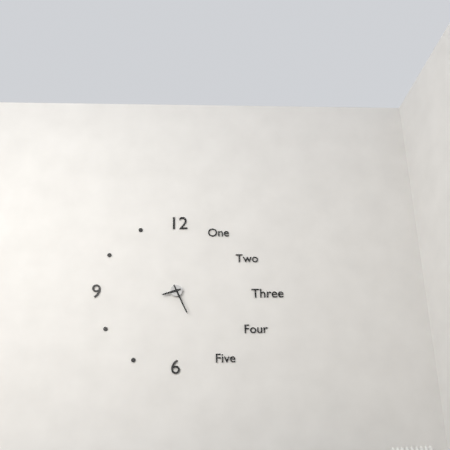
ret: 8:26
